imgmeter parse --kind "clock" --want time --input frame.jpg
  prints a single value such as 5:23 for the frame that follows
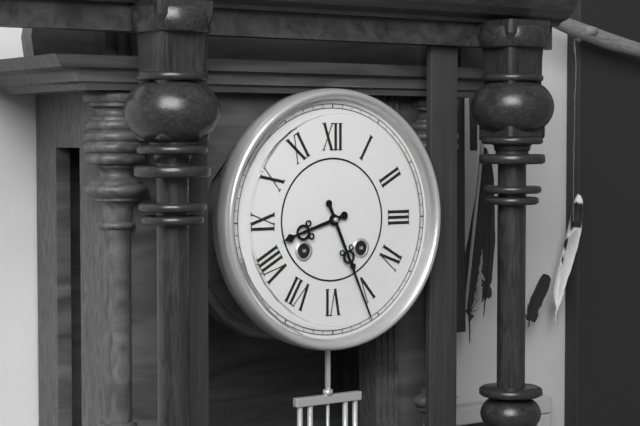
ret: 8:26
